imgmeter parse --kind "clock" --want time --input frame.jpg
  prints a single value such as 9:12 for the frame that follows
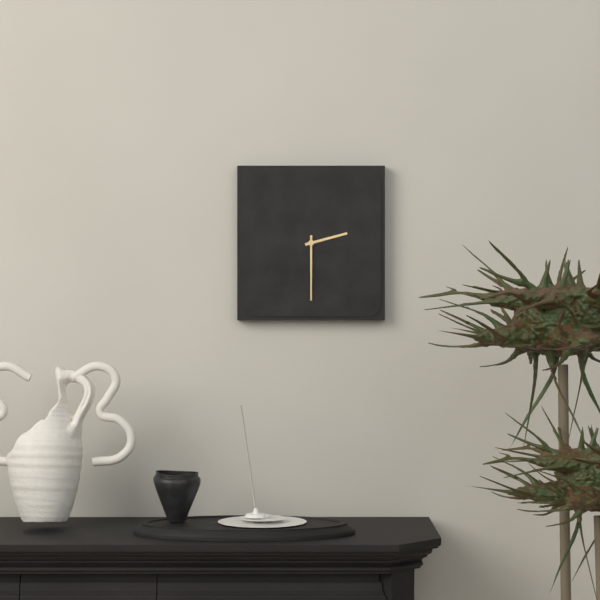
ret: 2:30
